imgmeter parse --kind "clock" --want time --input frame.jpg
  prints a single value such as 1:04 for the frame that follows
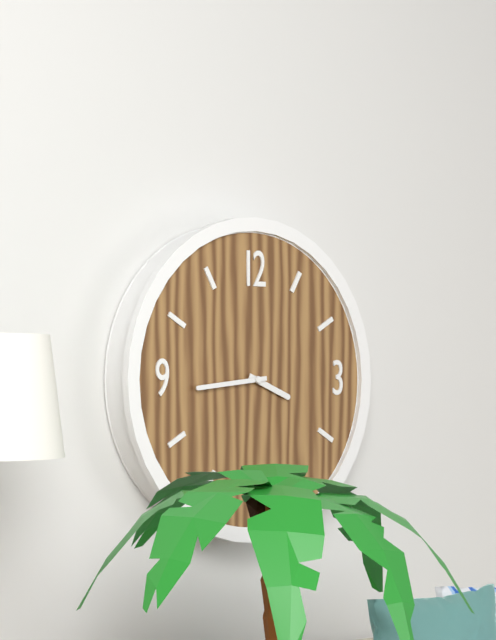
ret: 3:44
